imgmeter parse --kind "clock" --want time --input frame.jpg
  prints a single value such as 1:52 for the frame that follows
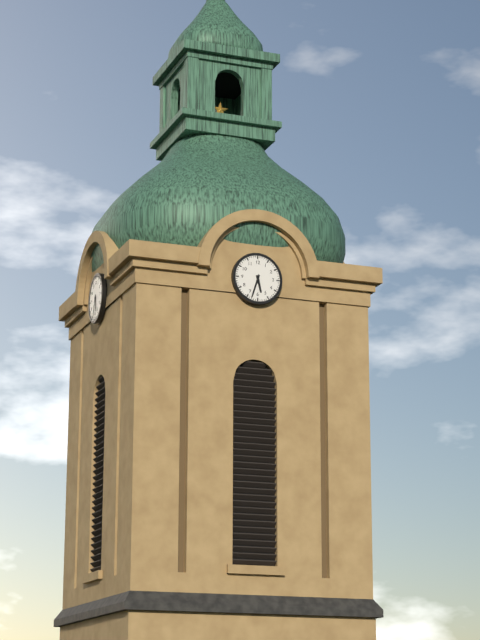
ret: 5:33
